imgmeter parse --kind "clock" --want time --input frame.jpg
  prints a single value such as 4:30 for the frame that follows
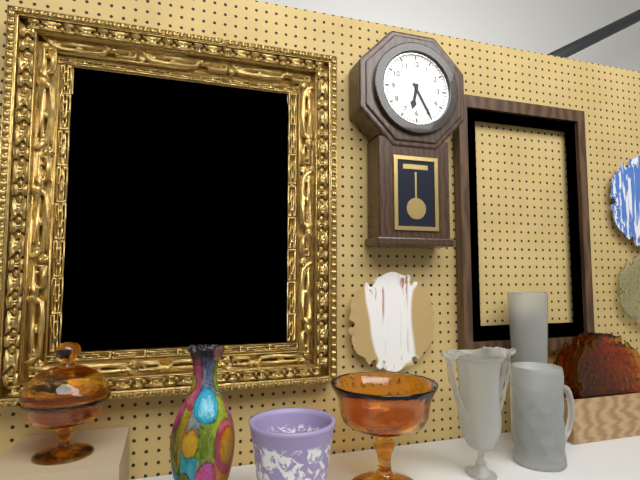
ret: 6:25
